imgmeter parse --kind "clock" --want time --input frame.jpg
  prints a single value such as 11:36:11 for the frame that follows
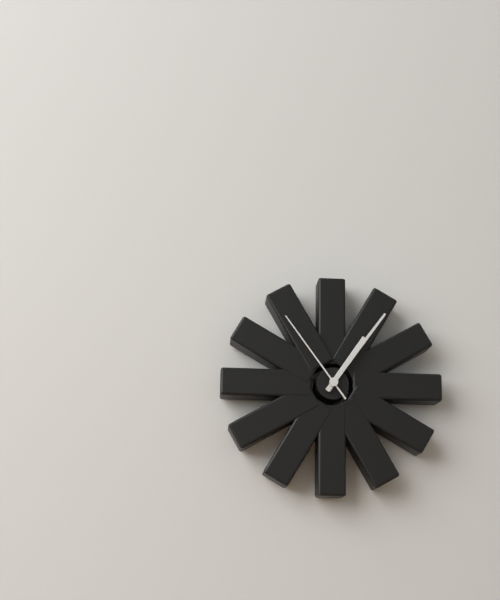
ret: 1:06:54
